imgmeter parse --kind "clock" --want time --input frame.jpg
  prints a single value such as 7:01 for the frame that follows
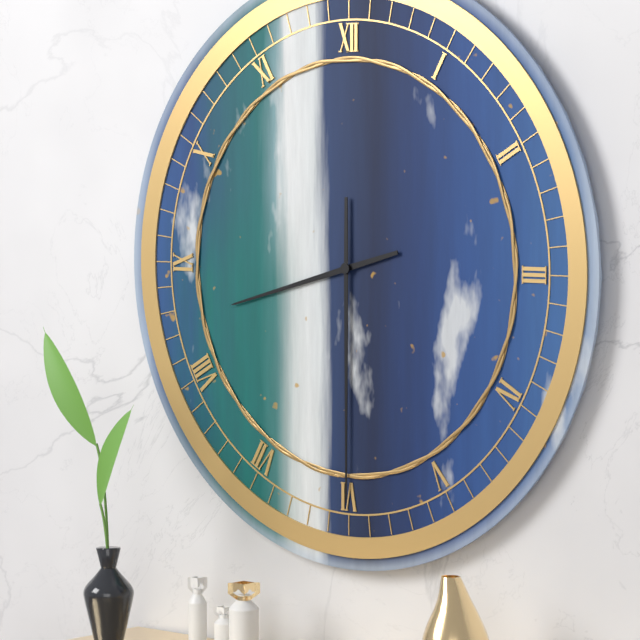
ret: 8:30
